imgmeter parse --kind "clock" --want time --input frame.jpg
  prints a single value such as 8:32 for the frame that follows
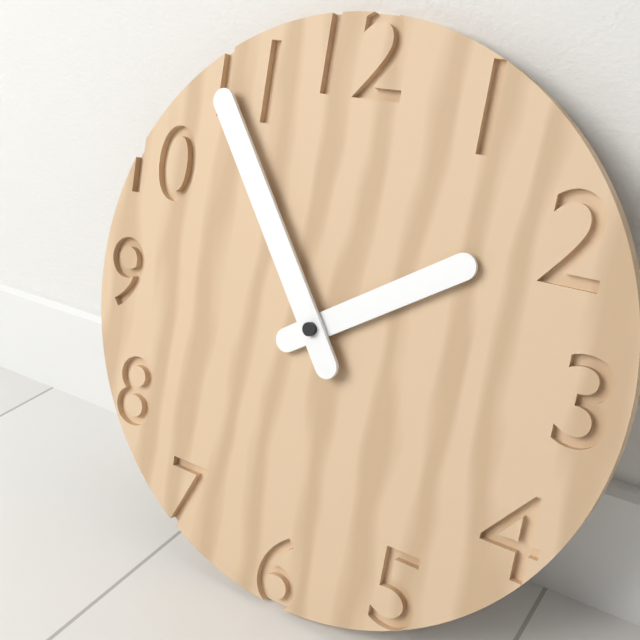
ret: 1:54
